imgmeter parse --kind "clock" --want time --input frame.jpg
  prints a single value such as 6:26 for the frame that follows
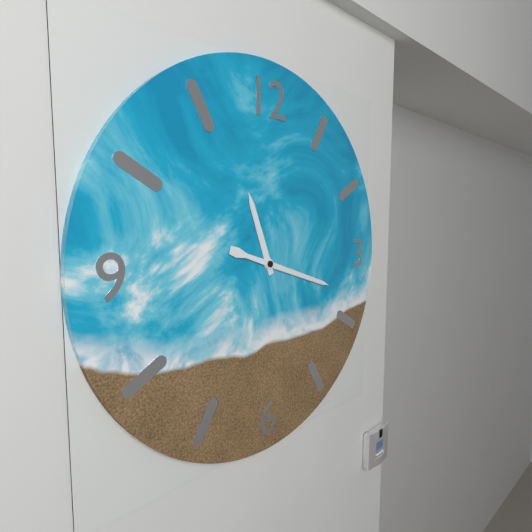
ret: 11:18
